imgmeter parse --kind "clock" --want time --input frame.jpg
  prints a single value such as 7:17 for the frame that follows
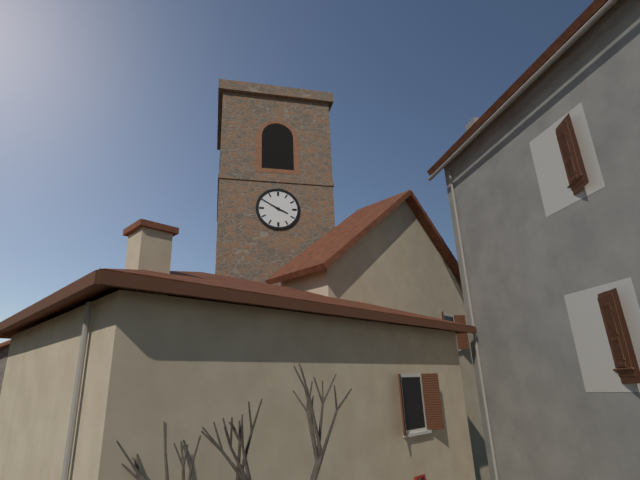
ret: 3:50
